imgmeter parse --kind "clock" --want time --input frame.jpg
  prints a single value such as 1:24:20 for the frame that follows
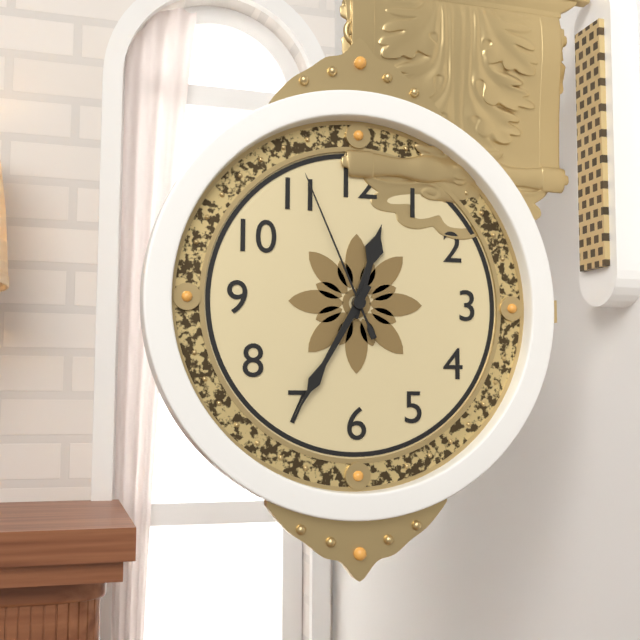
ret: 12:35:56
